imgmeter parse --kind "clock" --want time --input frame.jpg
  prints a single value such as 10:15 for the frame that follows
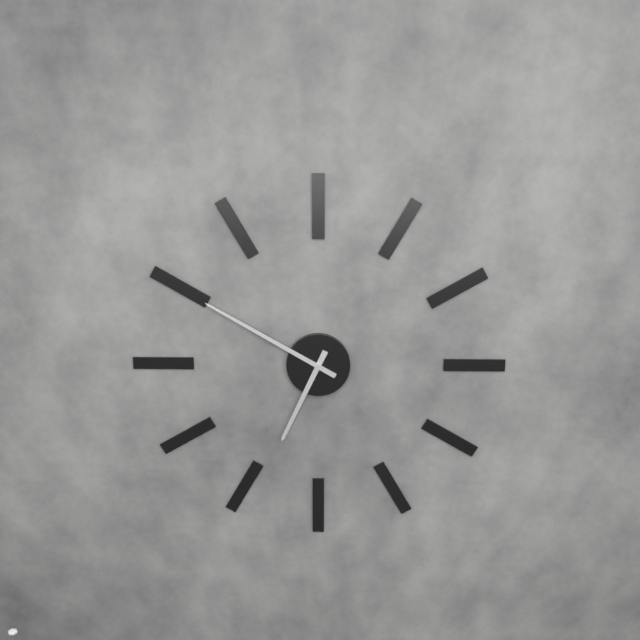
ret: 6:50
